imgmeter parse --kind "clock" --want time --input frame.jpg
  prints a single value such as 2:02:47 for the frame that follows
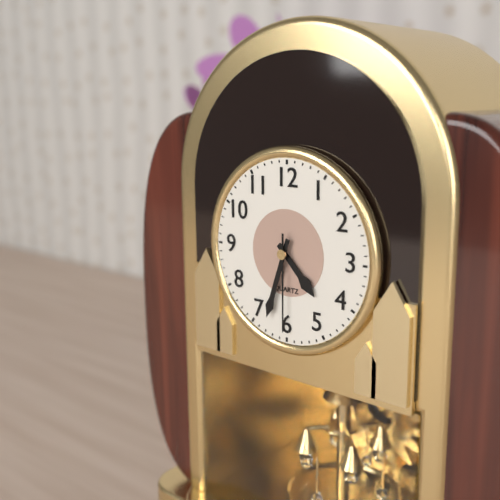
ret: 4:33:30
